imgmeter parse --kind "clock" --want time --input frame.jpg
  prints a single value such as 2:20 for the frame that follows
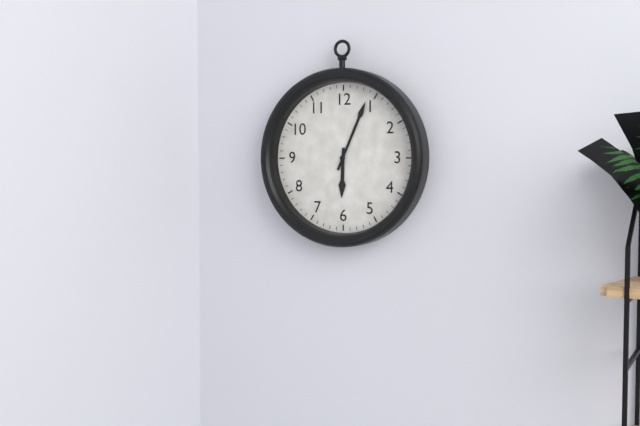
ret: 6:04
